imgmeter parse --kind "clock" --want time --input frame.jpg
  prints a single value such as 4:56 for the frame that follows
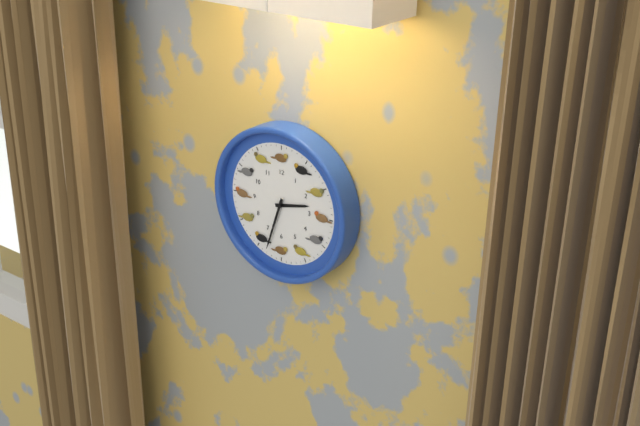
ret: 2:33
